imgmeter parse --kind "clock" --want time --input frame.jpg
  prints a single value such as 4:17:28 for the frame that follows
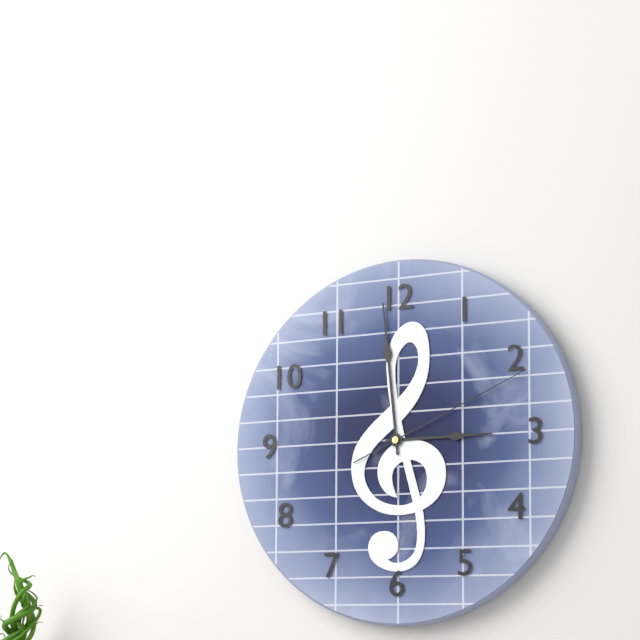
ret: 2:59:11
